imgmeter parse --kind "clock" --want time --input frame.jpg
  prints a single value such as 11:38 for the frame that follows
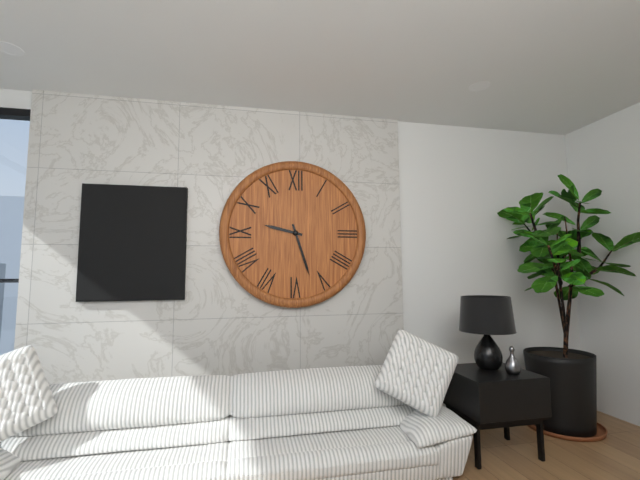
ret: 9:27
